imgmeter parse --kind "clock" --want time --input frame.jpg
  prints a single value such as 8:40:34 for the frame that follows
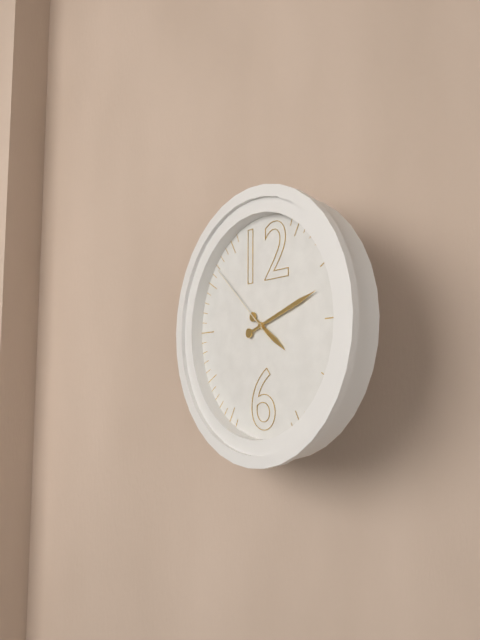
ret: 4:12:52
